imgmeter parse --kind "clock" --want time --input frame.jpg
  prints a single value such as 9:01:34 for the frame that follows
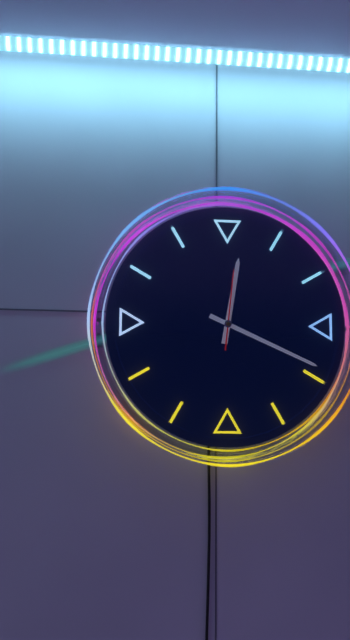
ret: 12:19:01
